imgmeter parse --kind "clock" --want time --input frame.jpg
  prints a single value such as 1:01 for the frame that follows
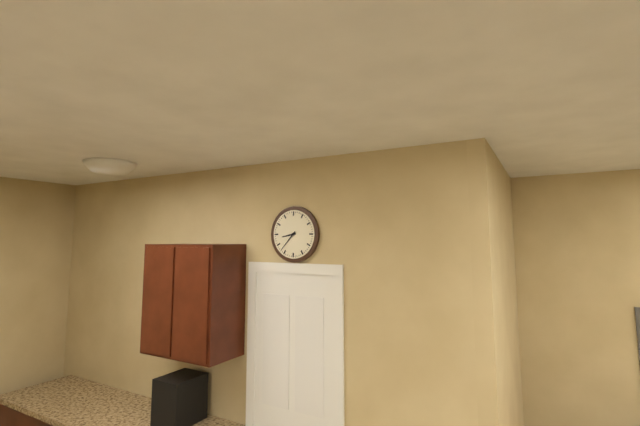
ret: 8:37
